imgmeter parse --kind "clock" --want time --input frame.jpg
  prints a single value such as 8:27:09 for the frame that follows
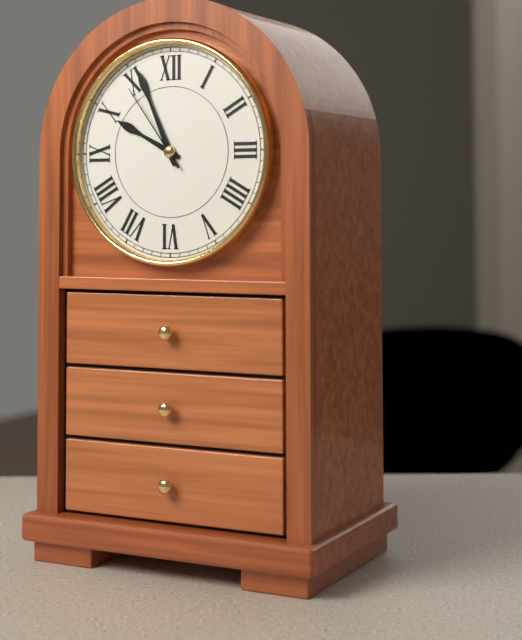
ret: 9:56:54
